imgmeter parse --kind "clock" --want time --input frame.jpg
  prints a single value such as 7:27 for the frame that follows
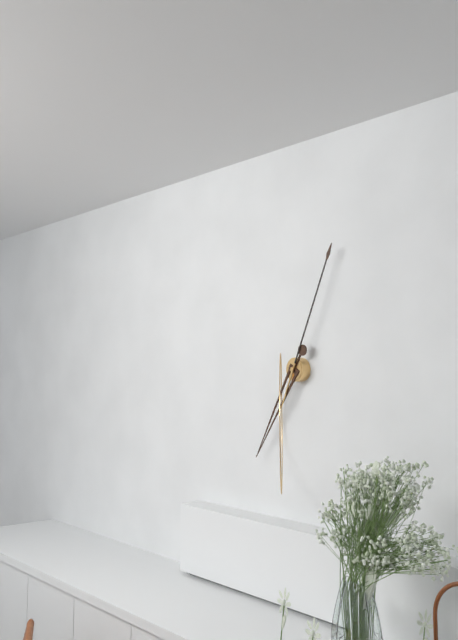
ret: 7:04
